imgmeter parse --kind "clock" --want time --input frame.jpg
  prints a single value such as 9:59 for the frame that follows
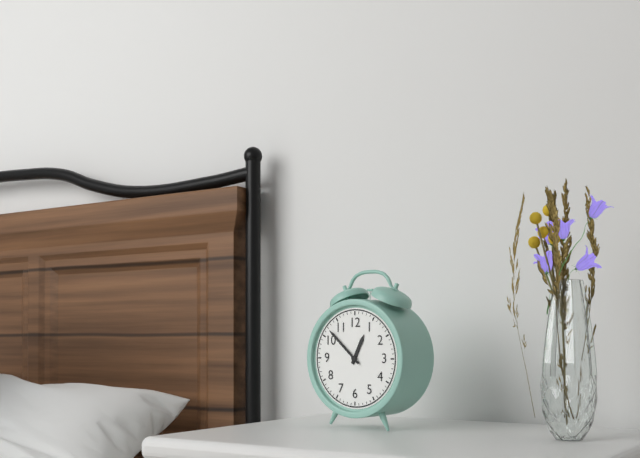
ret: 12:52
